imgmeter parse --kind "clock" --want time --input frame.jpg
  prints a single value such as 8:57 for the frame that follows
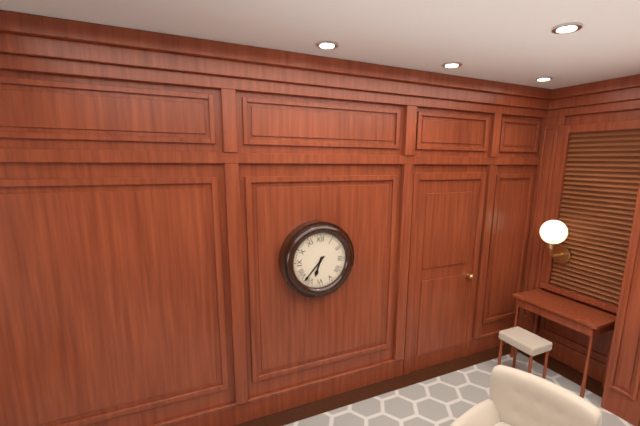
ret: 6:37
